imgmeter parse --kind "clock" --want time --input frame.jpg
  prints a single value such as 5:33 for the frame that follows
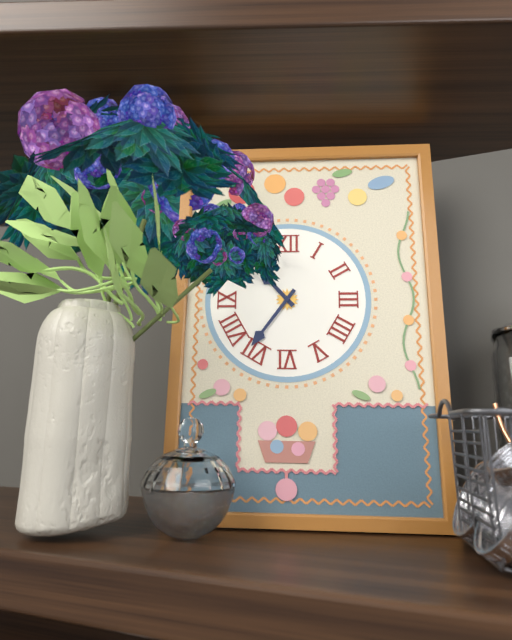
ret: 10:36
